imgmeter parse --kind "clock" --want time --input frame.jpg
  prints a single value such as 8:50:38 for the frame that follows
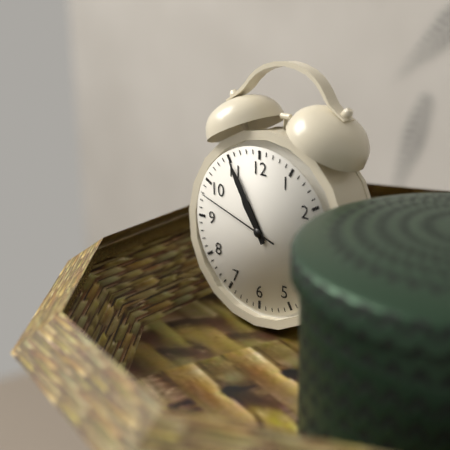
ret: 10:55:48
